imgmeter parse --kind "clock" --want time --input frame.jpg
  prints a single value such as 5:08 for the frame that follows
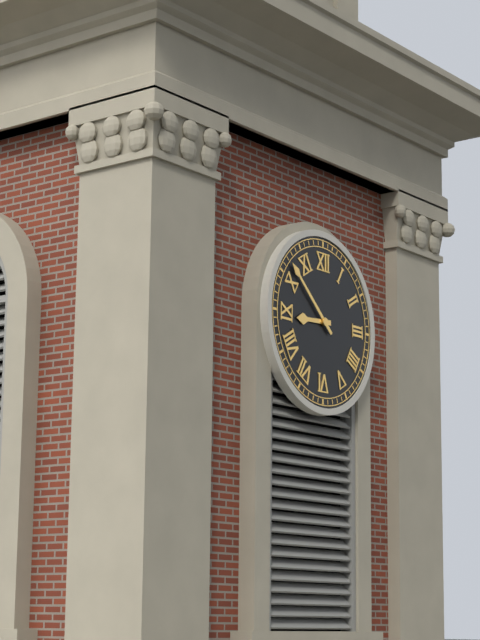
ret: 8:52
